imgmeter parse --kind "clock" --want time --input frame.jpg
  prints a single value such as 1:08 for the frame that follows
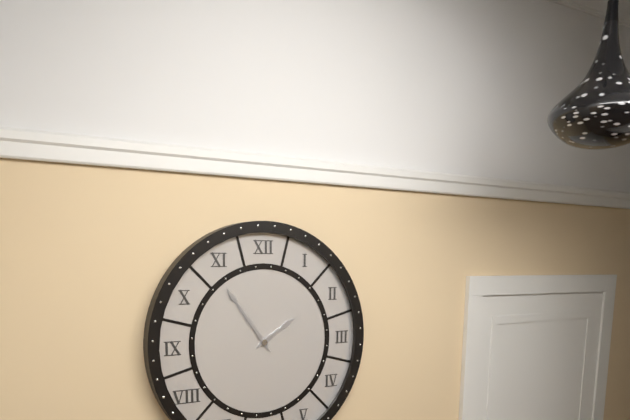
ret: 1:54
